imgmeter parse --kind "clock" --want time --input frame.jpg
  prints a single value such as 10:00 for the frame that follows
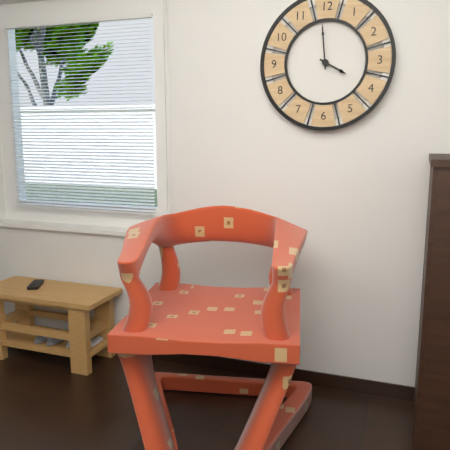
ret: 3:59
